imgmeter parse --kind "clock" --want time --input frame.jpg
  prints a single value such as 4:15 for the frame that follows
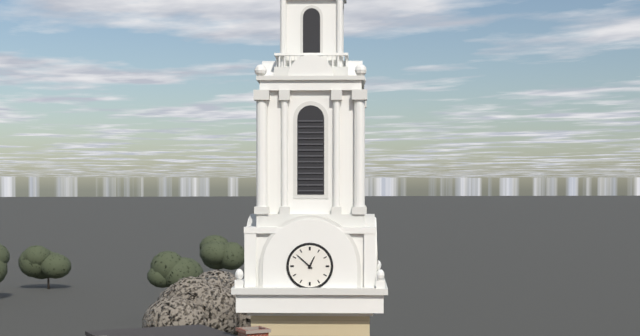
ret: 12:52
